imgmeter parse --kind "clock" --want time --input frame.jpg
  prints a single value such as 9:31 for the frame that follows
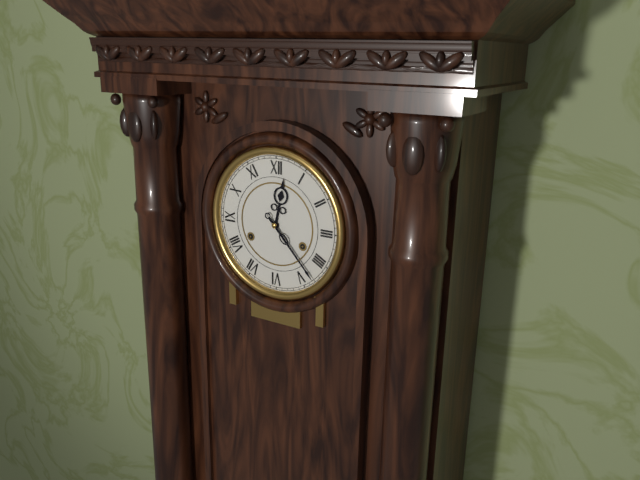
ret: 12:23
